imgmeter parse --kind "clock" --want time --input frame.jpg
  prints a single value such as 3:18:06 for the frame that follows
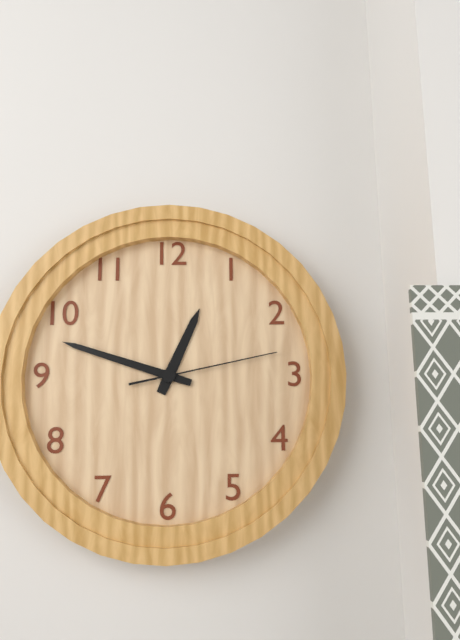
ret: 12:48:13
